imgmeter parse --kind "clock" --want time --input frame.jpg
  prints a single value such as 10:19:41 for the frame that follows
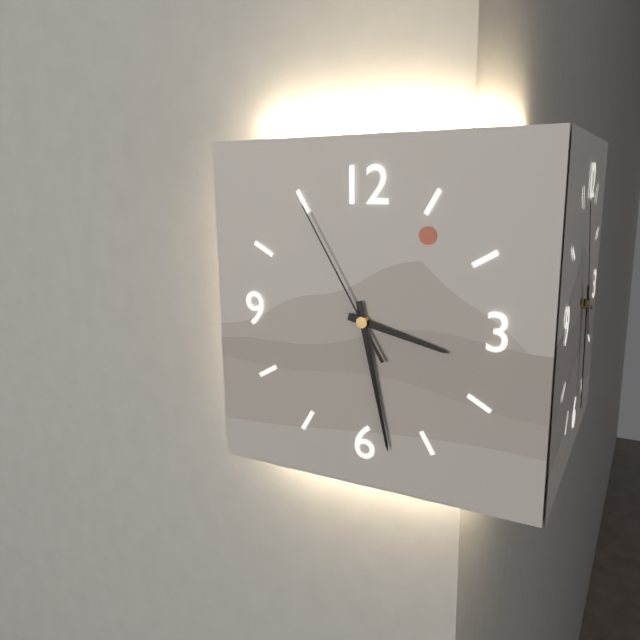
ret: 3:28:55
